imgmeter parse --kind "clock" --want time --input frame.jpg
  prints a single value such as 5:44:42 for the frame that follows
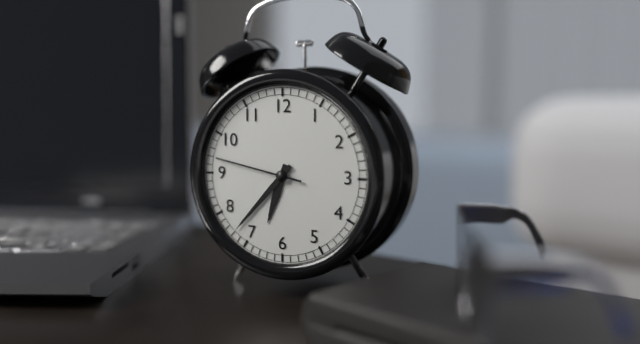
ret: 6:37:47
